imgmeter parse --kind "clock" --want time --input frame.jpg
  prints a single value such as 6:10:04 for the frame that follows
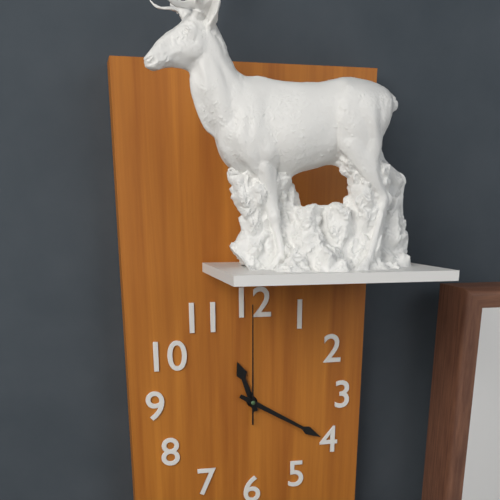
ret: 11:20:00
